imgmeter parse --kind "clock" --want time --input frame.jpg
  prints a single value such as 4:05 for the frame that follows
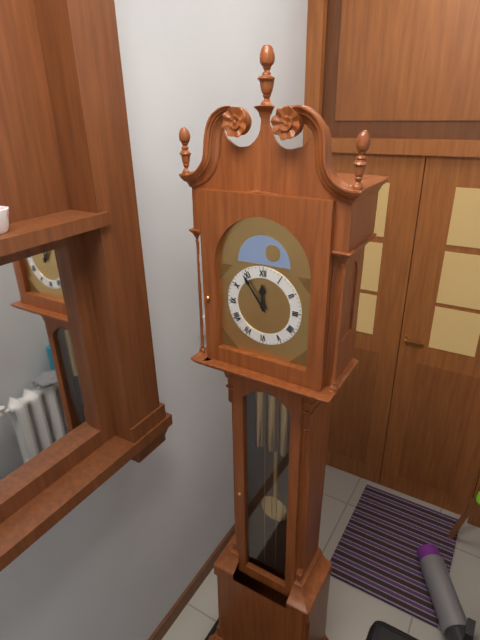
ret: 11:54
